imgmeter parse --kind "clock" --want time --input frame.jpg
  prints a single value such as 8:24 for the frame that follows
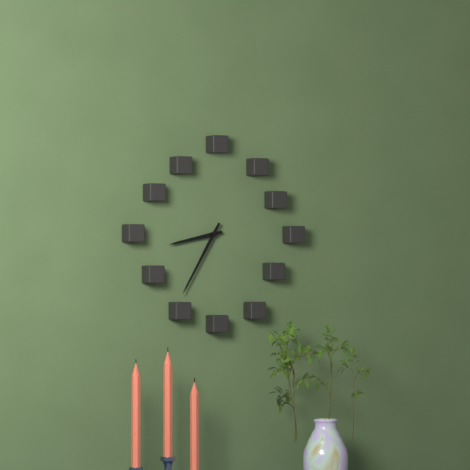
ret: 8:35
